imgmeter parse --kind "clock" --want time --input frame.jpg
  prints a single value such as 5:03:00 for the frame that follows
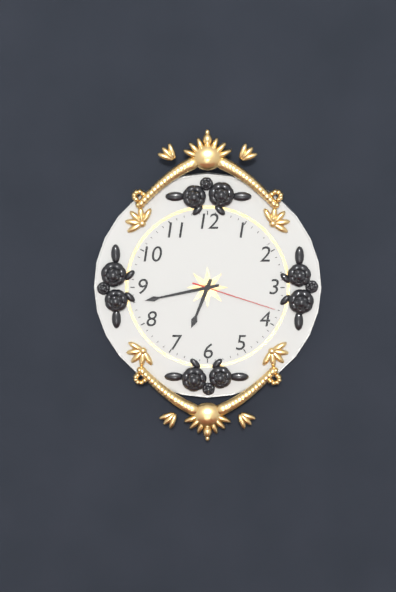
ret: 6:43:18
